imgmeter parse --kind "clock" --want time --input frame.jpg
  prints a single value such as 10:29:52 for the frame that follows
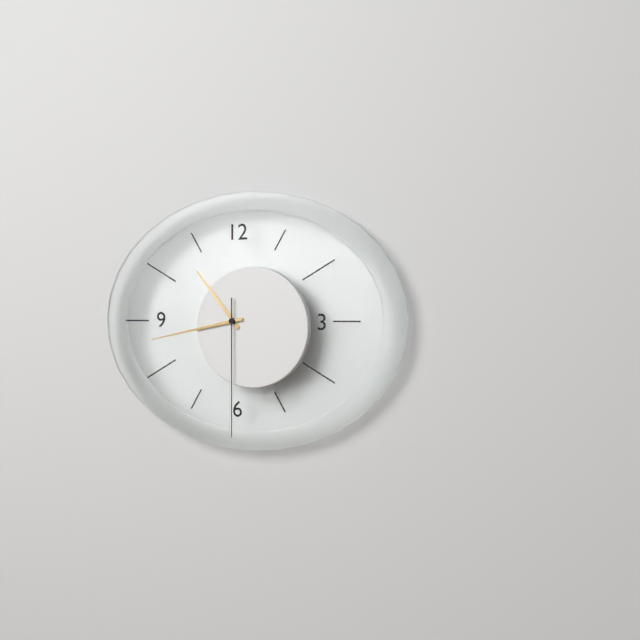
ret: 10:43:30
